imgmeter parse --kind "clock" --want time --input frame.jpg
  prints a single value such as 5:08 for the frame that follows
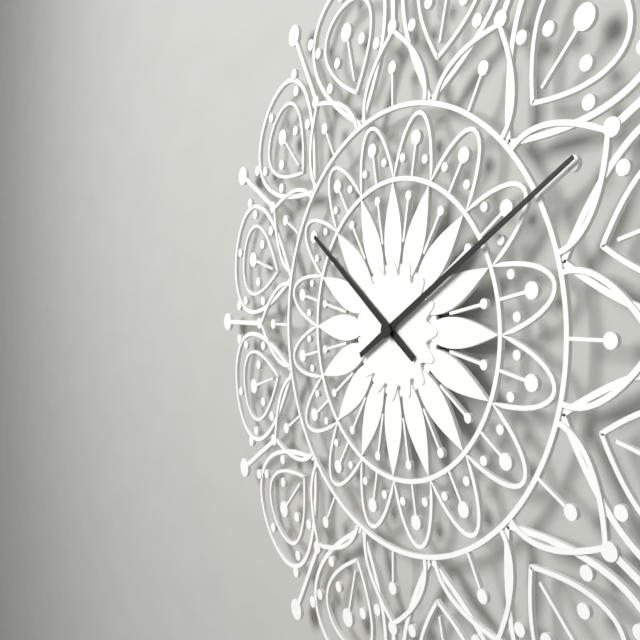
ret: 10:10
